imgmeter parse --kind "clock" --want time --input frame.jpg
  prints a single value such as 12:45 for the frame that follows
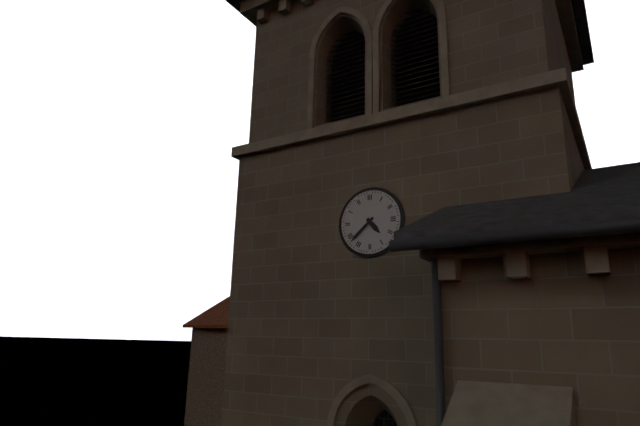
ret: 4:38
